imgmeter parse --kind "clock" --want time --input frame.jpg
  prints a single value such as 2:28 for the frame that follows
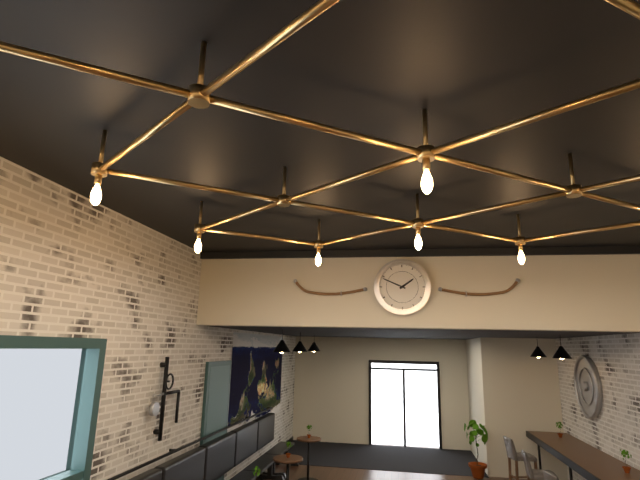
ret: 1:49
